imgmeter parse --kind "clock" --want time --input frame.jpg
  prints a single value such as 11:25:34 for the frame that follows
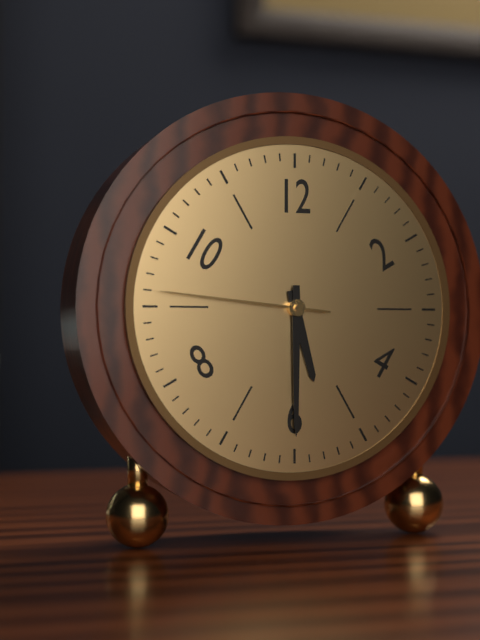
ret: 5:30:46
